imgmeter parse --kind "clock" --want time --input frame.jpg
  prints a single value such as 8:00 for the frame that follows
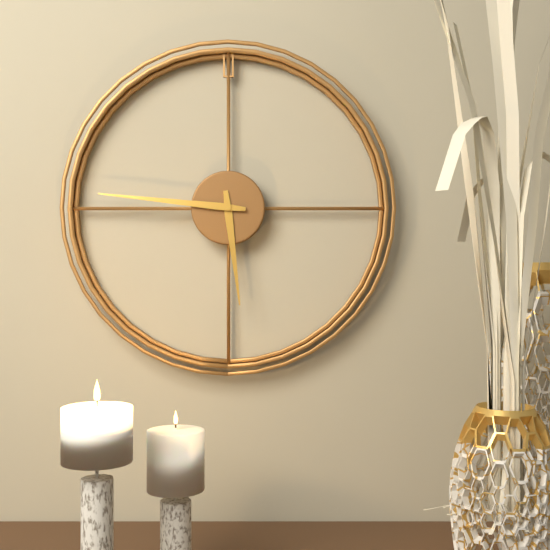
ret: 5:46
